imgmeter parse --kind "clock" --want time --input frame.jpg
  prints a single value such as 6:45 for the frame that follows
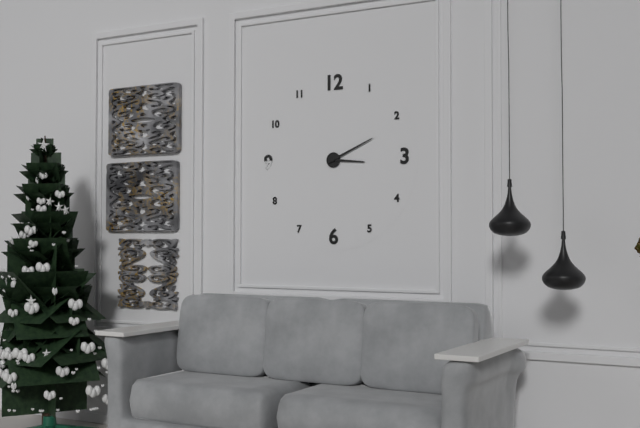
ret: 3:11
